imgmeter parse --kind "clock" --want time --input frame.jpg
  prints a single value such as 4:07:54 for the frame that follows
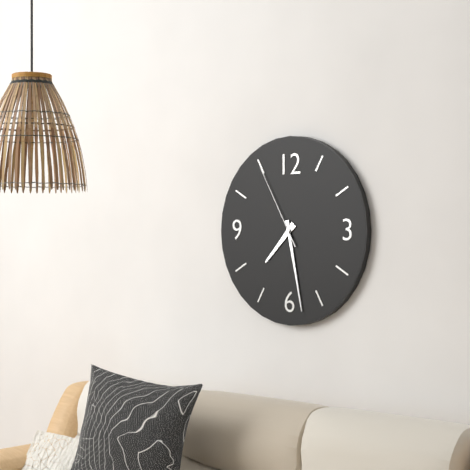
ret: 7:28:55
